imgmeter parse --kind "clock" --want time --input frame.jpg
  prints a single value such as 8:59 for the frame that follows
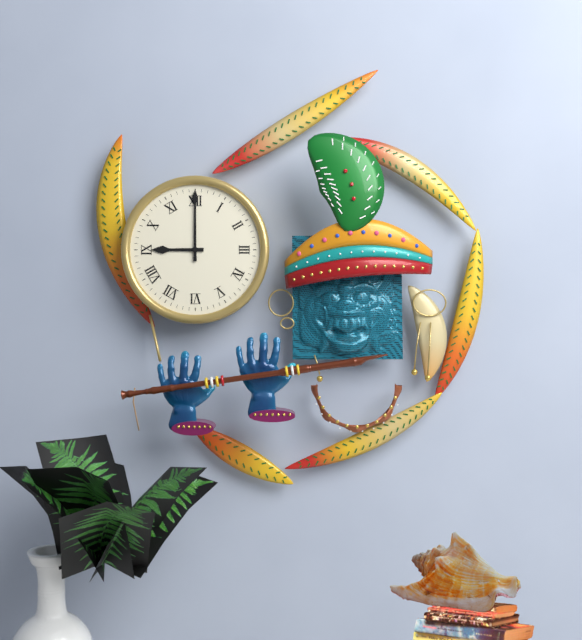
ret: 9:00
